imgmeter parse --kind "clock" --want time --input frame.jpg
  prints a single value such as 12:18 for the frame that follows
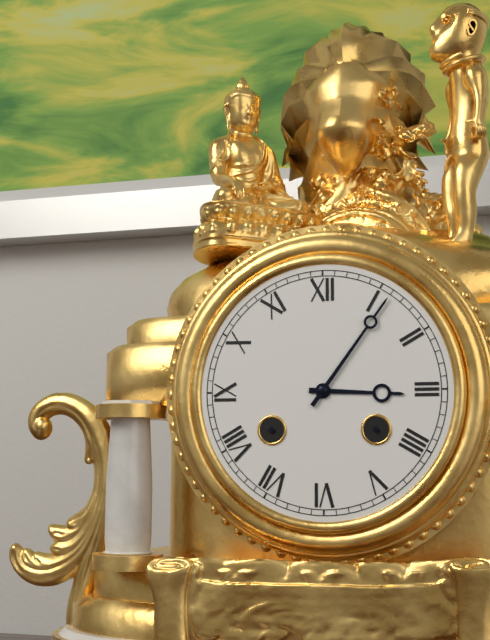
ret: 3:06
